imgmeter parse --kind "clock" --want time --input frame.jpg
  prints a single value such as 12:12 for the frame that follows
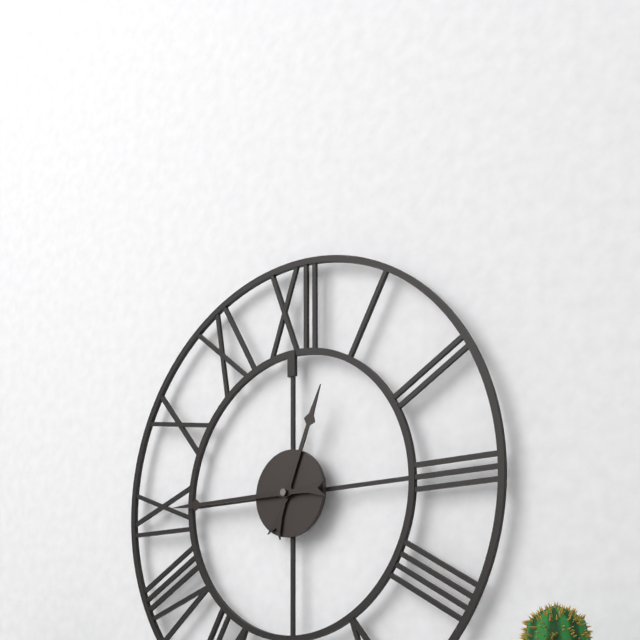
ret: 12:45
